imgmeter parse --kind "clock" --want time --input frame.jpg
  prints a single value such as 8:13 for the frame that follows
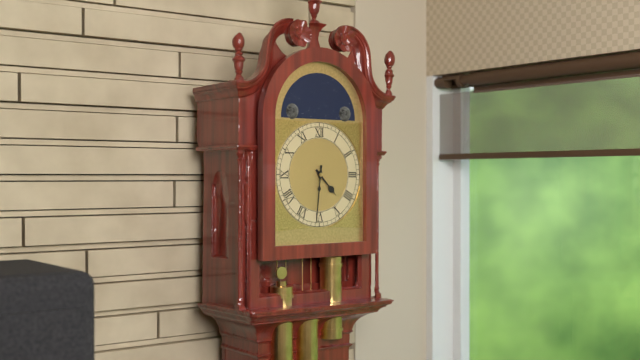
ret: 4:31
